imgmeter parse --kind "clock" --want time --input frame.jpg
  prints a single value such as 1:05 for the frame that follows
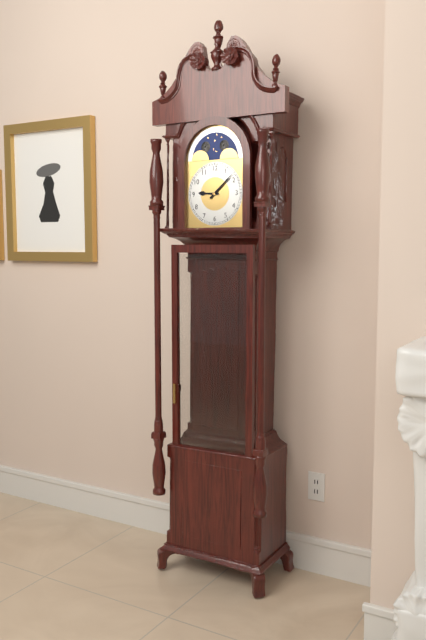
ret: 9:08
